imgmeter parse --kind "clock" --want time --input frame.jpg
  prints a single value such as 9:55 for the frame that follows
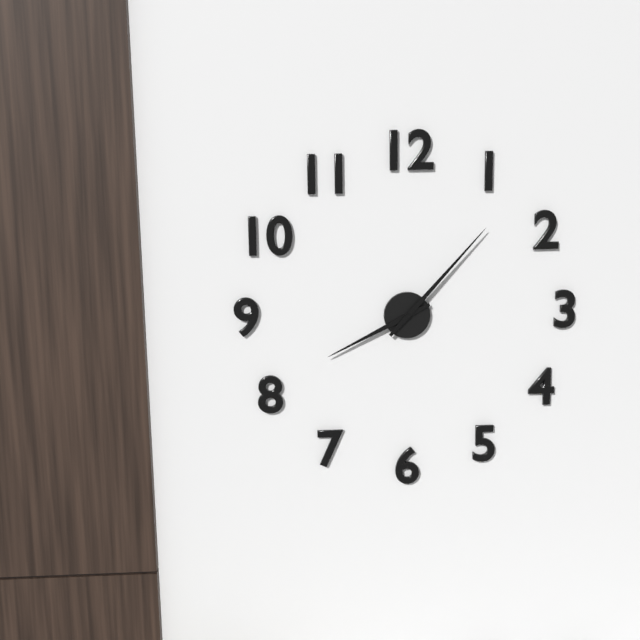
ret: 8:07
